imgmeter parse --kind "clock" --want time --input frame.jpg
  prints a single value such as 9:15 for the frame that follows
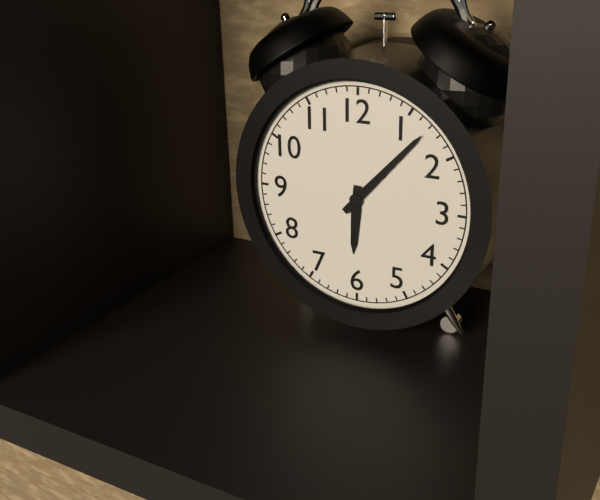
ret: 6:07
